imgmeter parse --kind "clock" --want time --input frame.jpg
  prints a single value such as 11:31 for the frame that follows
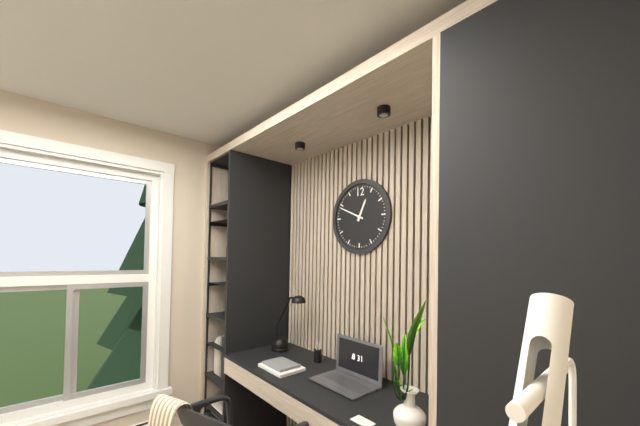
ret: 12:49
